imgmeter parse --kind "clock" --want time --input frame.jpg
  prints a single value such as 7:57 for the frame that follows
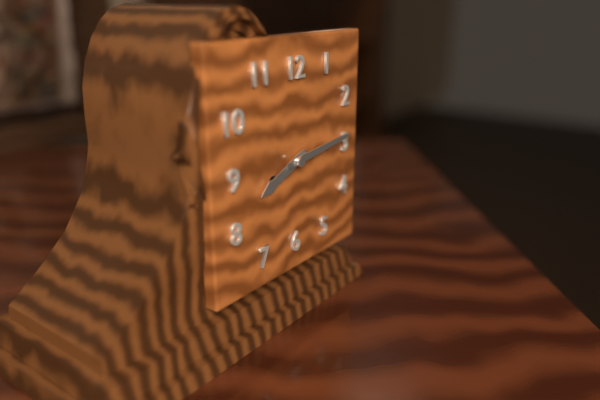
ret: 8:14
